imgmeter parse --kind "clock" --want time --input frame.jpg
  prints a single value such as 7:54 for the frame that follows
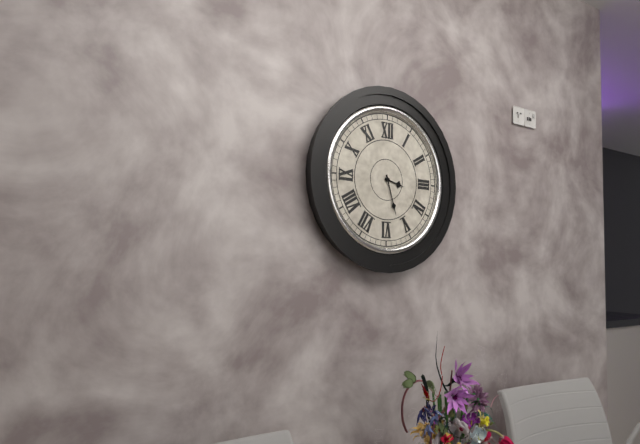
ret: 3:27
